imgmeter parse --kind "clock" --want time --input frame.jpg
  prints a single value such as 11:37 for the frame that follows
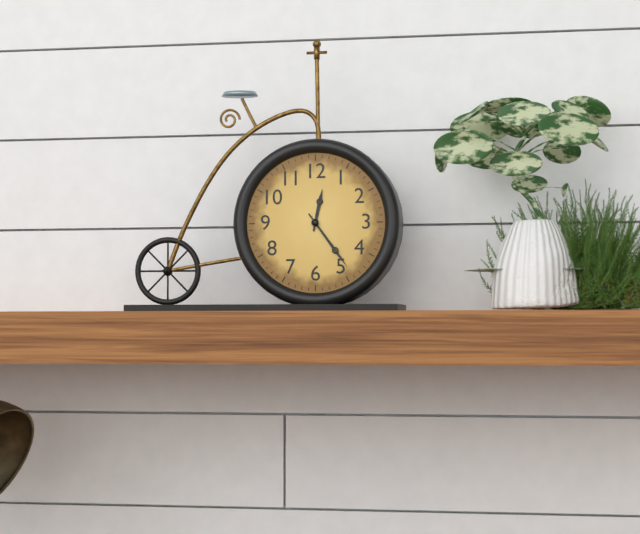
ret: 12:24
